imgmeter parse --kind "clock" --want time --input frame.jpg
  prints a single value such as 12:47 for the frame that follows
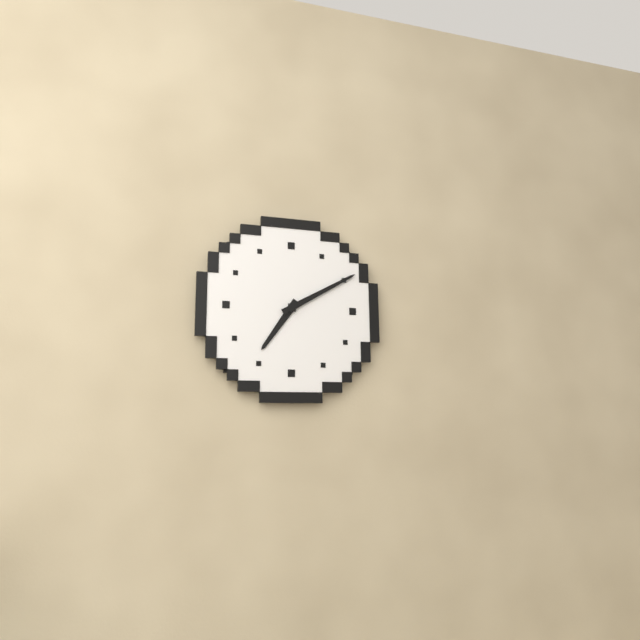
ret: 7:10
